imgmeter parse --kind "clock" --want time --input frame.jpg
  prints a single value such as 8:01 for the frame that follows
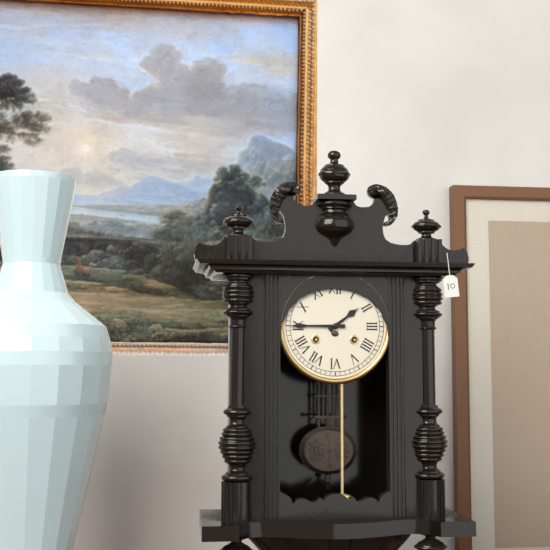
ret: 1:45
